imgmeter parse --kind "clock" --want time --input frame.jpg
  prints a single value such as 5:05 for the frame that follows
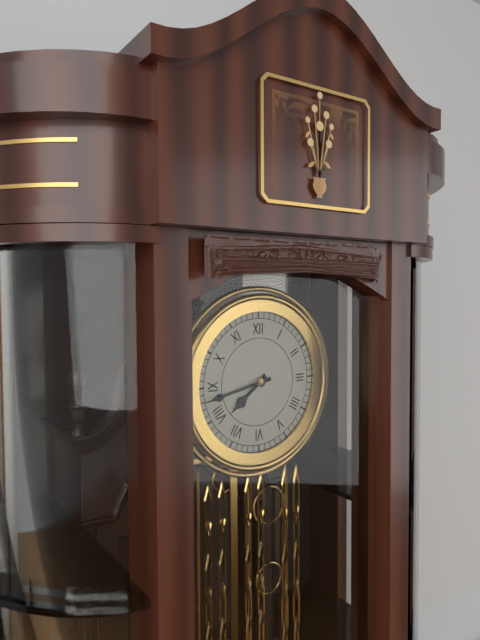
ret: 7:43
